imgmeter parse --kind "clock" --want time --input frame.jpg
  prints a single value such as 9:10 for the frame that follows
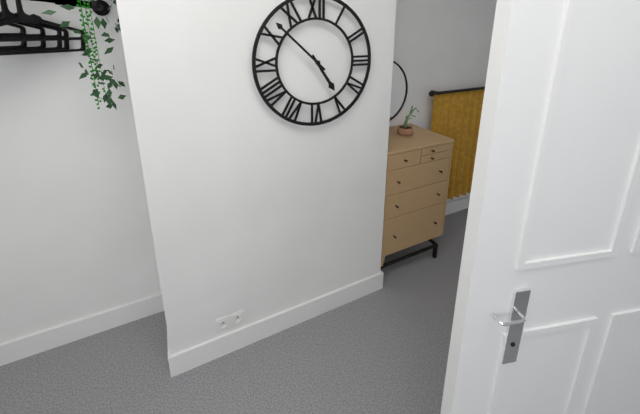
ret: 4:52
